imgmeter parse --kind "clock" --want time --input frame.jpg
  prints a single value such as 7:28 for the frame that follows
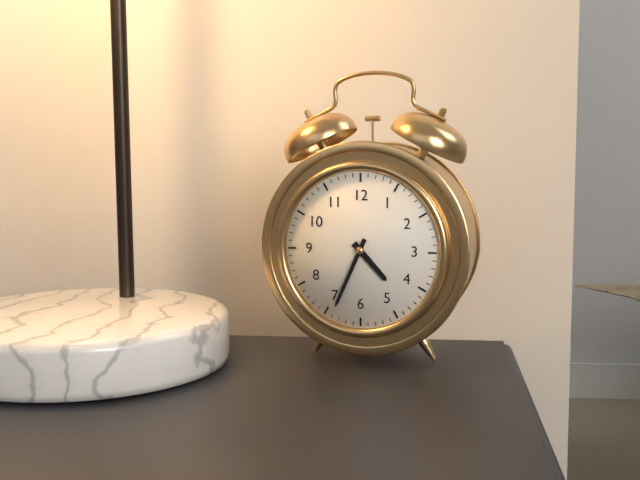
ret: 4:34
